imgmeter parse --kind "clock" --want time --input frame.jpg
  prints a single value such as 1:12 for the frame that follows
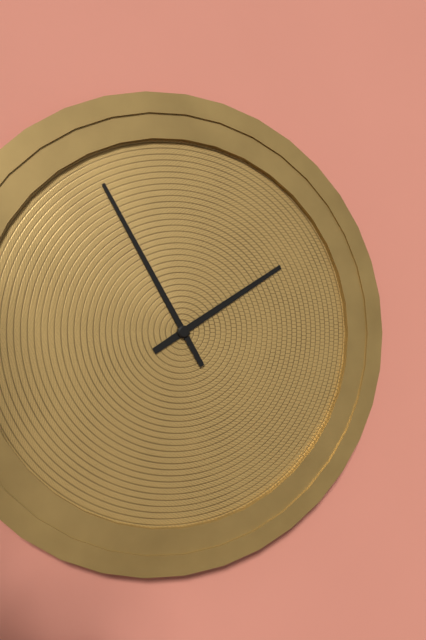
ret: 1:55
